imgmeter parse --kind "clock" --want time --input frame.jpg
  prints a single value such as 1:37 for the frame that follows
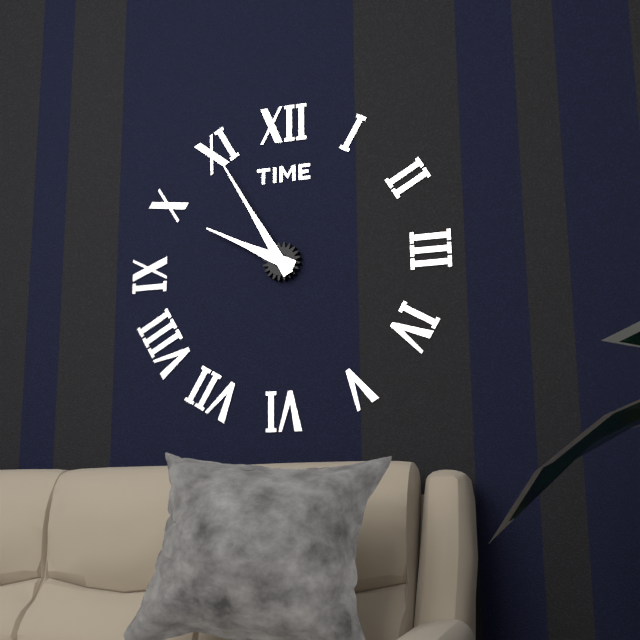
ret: 9:55
